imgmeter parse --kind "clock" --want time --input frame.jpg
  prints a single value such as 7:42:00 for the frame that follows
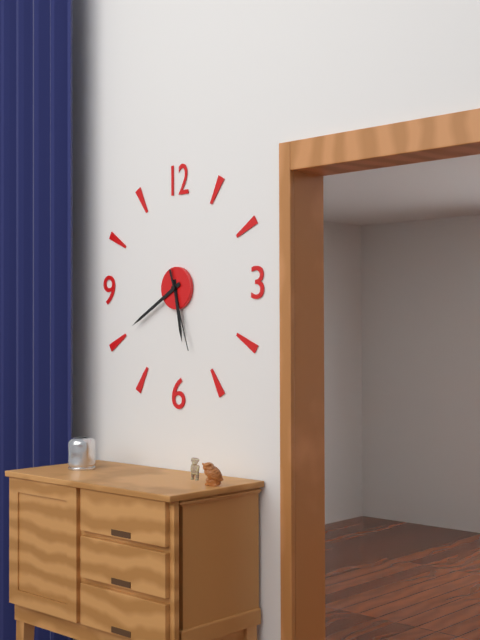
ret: 5:40:27
